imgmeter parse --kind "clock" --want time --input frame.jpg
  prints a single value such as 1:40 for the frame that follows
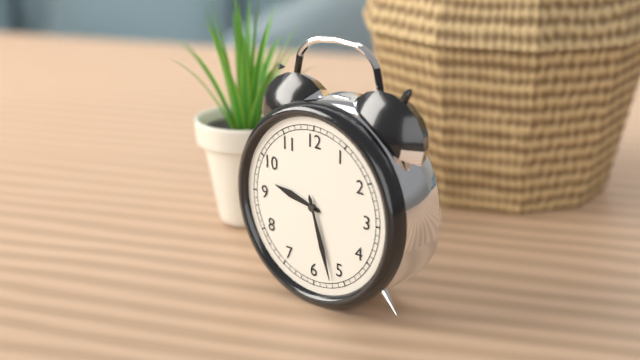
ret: 9:27
